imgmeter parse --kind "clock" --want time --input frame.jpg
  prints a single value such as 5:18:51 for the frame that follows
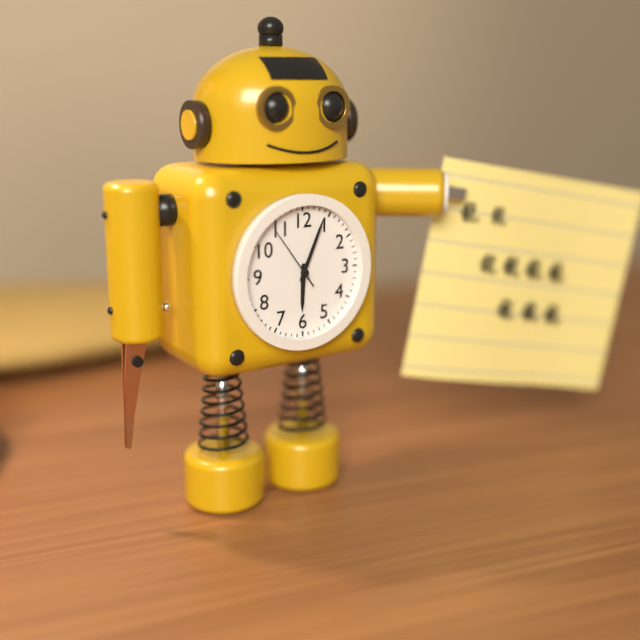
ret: 6:04:54
